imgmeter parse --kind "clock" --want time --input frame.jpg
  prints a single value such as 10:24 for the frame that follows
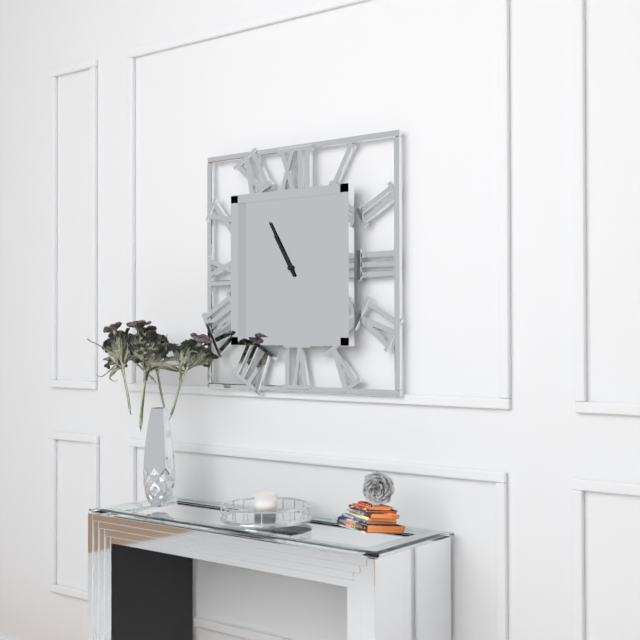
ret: 10:55
